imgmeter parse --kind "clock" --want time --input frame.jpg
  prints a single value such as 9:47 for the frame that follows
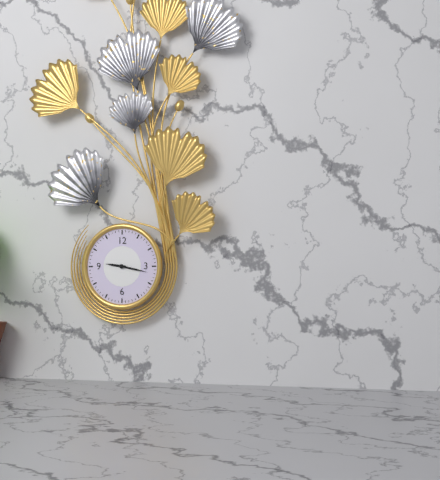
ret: 9:17
